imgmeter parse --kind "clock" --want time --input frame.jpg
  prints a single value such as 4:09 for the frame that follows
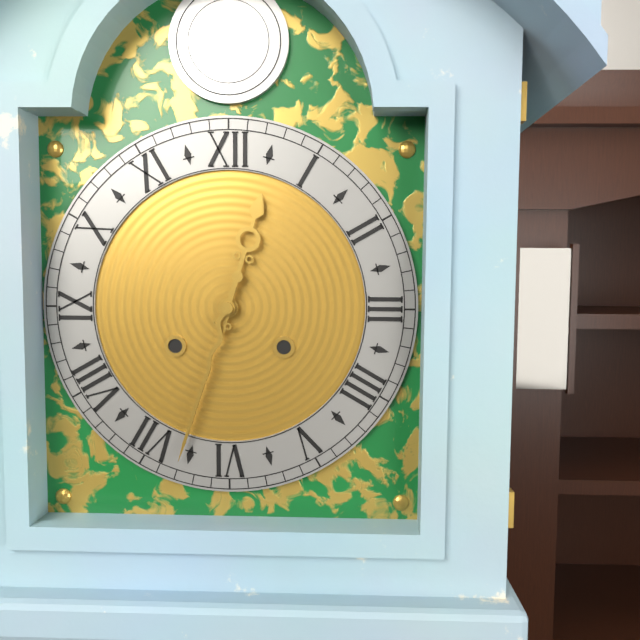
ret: 12:33
